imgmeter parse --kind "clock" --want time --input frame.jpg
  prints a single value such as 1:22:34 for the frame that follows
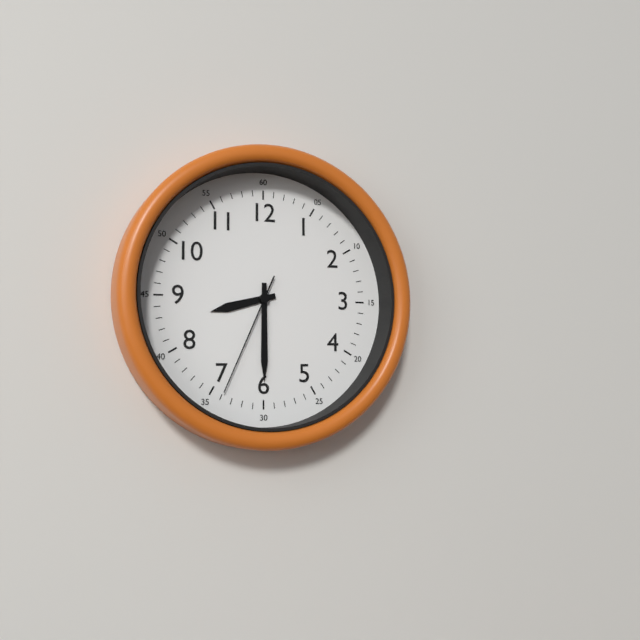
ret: 8:30:34
